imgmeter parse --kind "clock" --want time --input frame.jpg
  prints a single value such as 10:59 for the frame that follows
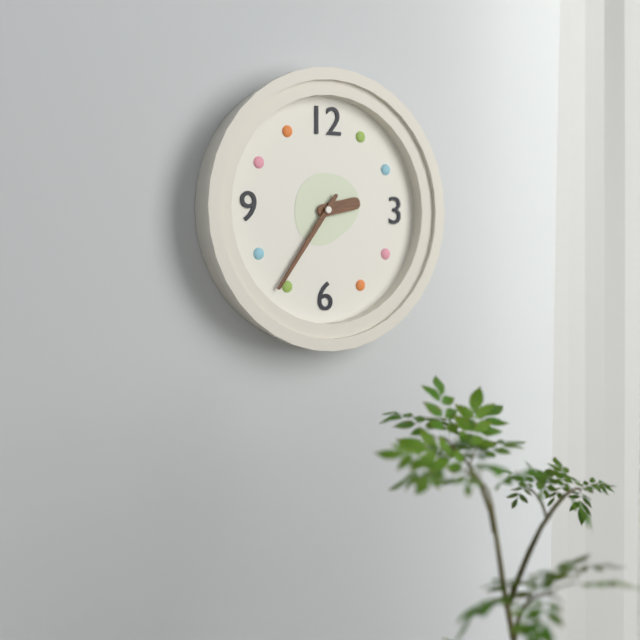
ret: 2:36
